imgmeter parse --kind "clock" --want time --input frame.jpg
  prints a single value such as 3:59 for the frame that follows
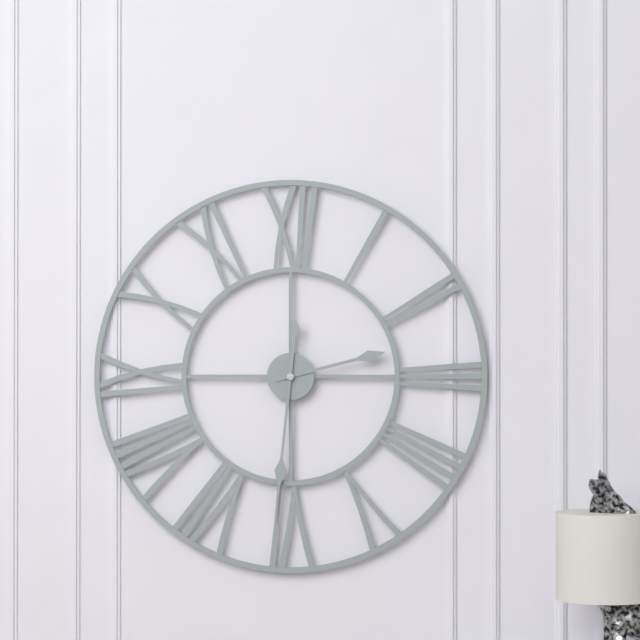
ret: 2:31
